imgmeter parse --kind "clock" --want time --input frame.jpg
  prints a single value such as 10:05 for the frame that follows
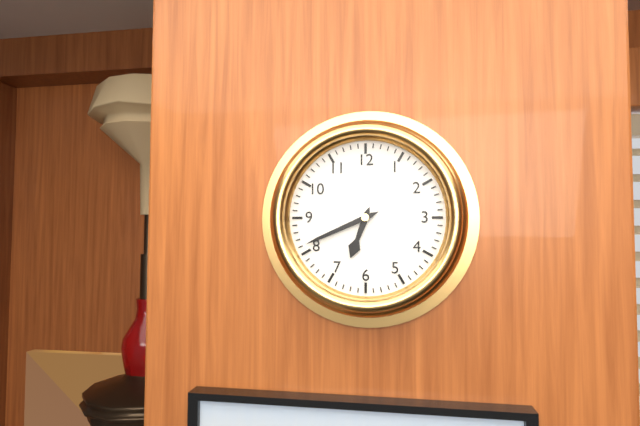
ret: 6:41
